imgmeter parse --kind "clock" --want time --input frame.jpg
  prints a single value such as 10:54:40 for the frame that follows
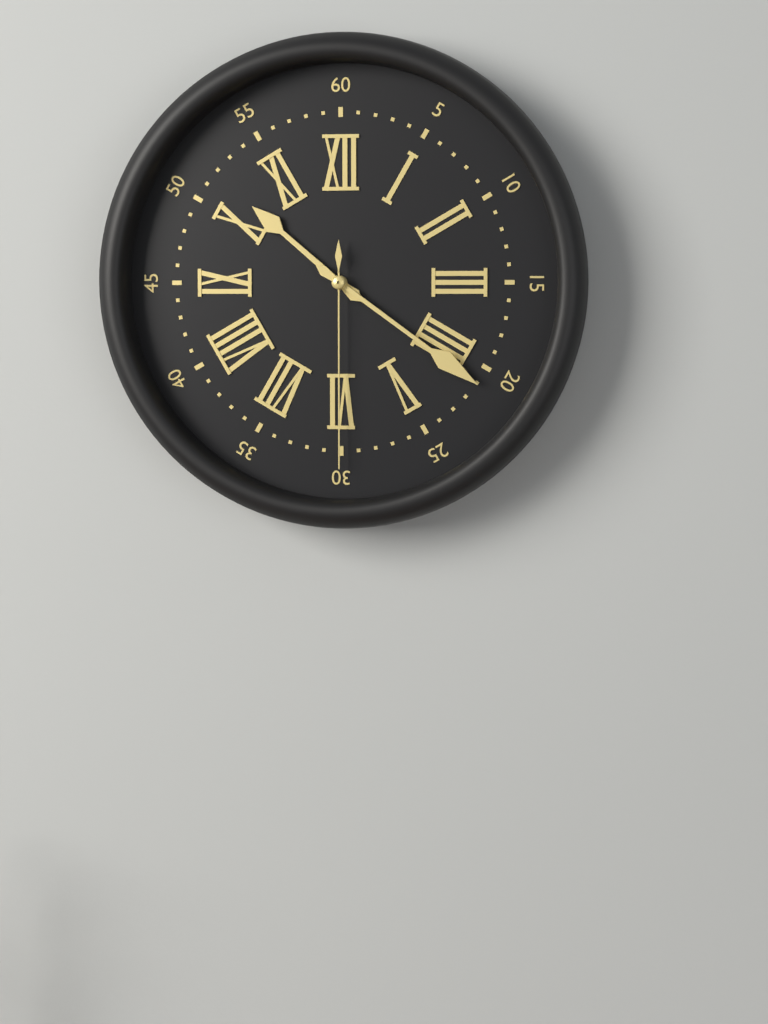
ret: 10:21:30
